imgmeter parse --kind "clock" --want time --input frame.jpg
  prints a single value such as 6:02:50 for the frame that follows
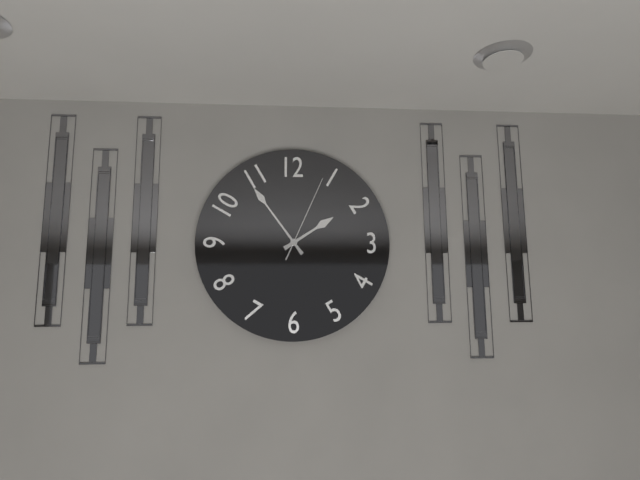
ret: 1:54:04
